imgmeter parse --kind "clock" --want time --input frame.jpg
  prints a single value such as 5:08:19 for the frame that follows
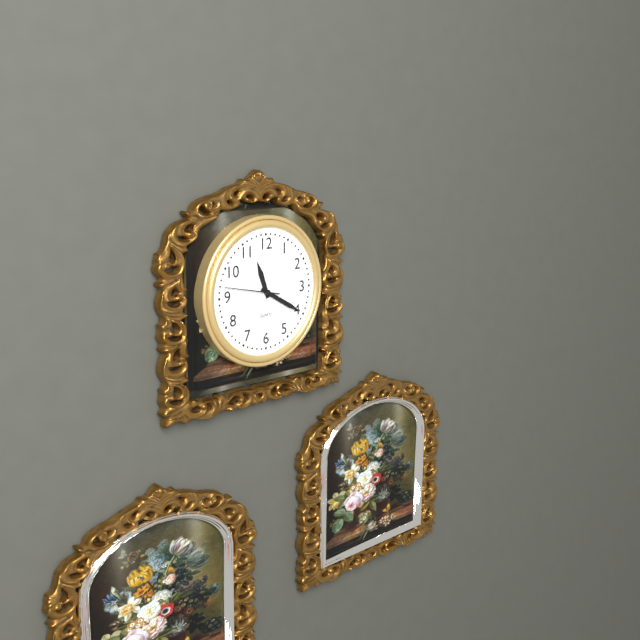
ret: 11:20:47
